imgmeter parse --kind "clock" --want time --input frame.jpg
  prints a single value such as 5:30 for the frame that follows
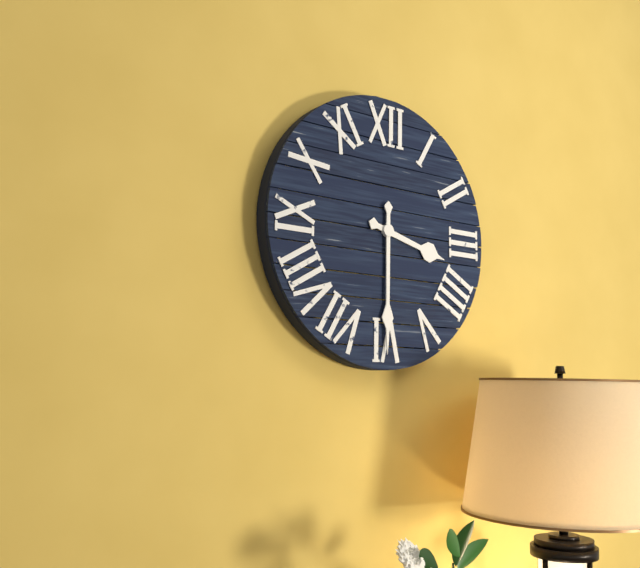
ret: 3:30
